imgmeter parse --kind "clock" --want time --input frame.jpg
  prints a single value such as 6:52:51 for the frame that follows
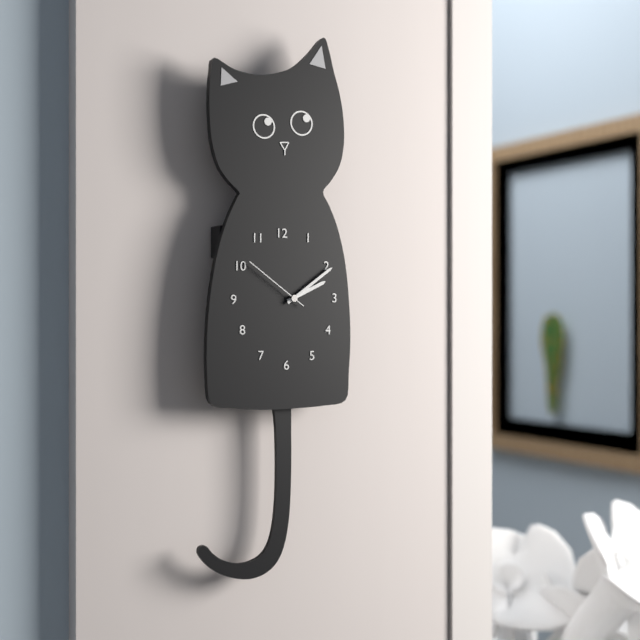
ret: 2:09:51
